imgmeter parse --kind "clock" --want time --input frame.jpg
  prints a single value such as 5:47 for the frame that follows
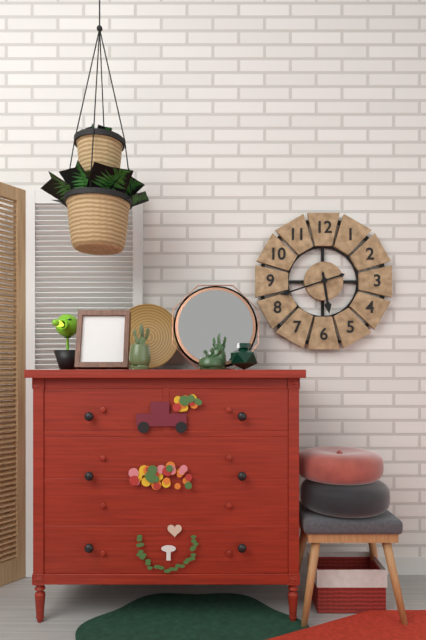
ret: 5:42
